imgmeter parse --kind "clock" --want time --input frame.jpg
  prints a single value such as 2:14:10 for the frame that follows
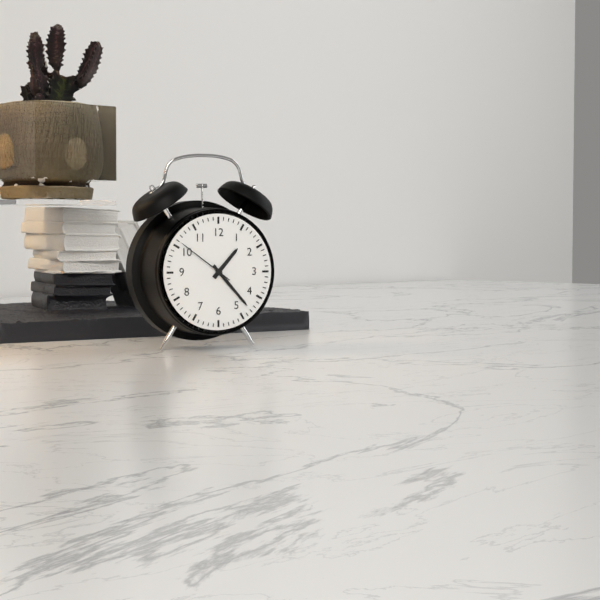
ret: 1:23:51
